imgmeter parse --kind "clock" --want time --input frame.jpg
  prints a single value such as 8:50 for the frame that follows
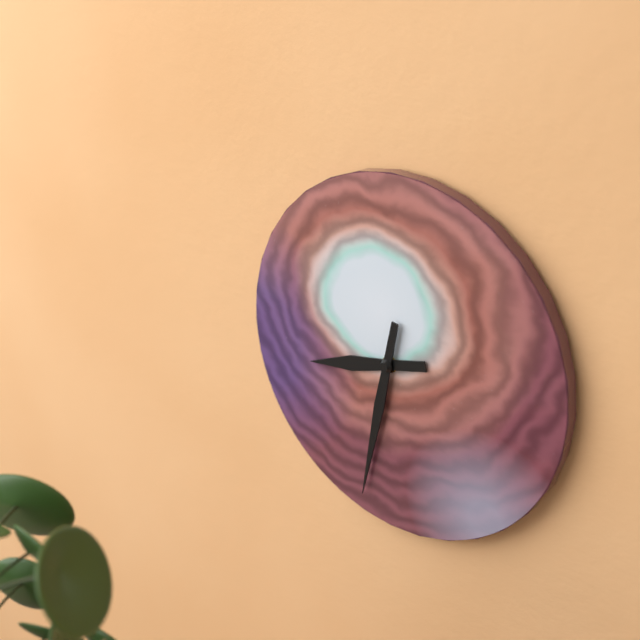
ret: 8:32
